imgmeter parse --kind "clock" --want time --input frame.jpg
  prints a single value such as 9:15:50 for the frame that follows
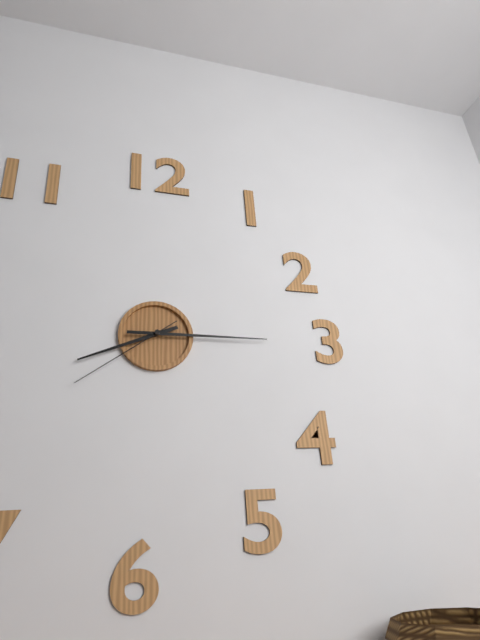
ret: 8:15:39
